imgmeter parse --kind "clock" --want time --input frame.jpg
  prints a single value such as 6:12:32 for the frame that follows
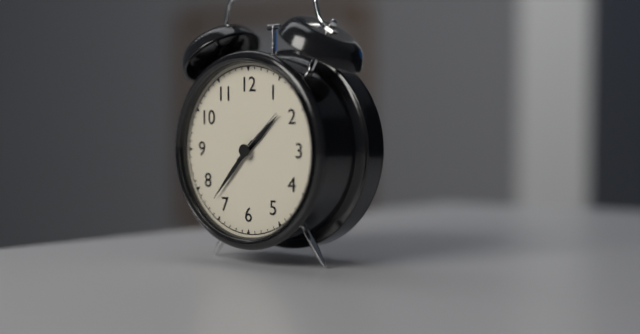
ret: 1:37:08
